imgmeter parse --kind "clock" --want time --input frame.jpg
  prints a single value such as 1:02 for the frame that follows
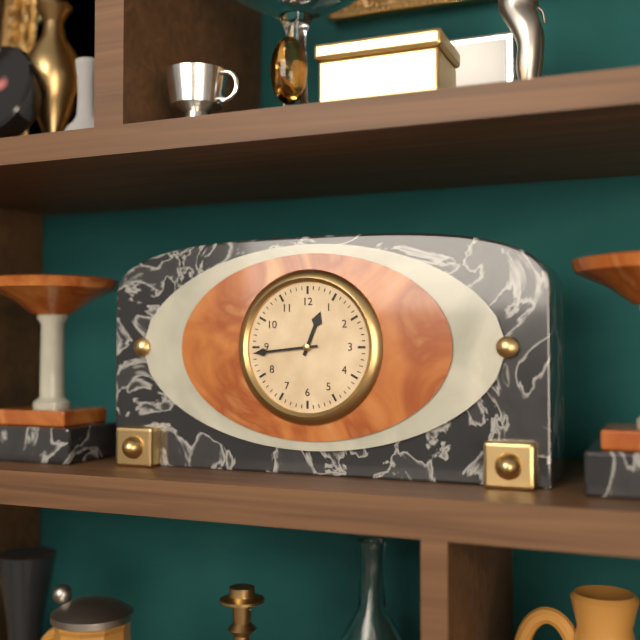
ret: 12:44
